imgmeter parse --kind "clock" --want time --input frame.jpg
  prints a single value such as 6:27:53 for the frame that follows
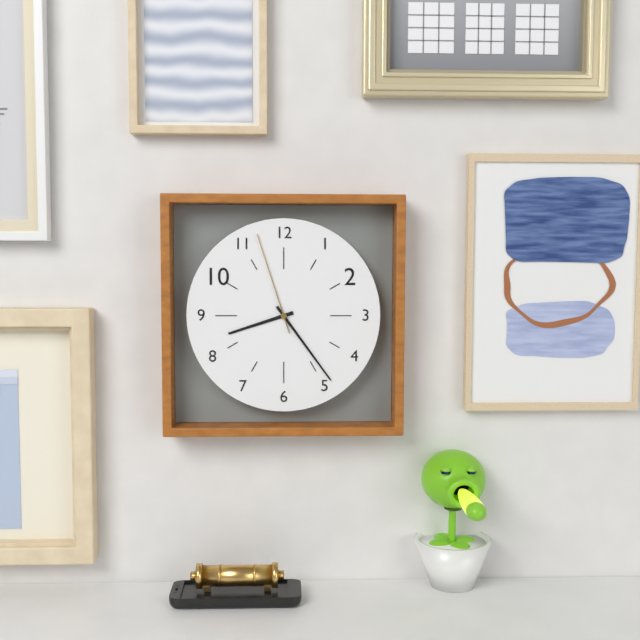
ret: 8:24:57
